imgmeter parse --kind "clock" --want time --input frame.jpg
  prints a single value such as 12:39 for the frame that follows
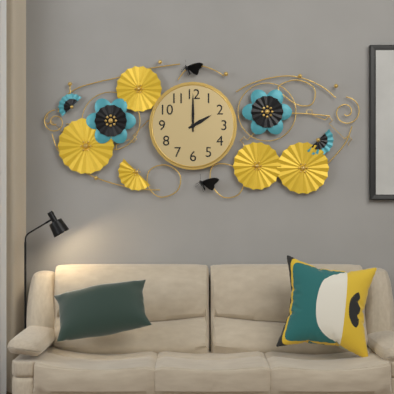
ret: 2:00
